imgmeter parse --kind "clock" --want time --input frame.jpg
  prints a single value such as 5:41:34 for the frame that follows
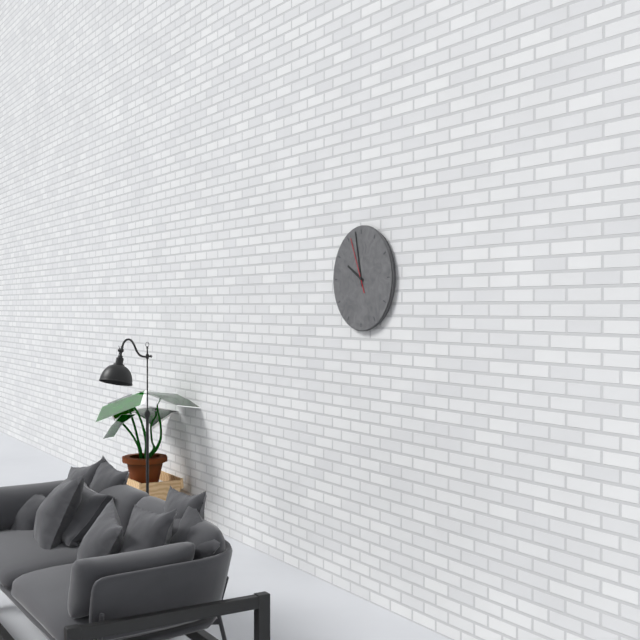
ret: 9:58:56
